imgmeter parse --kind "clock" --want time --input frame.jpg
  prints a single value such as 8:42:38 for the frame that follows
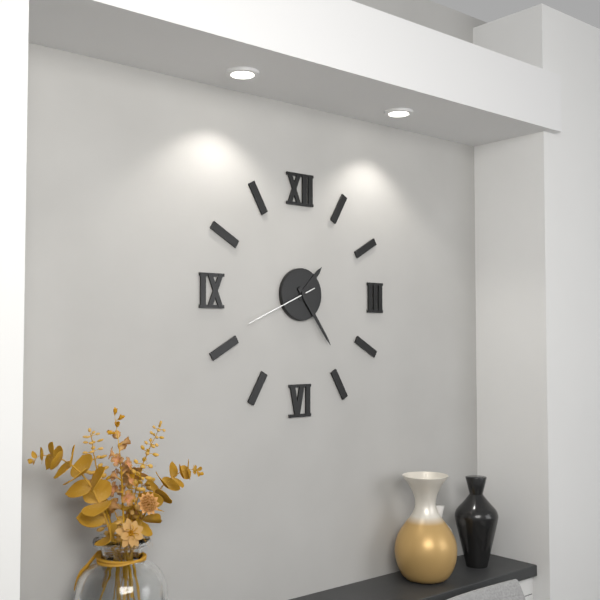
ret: 1:24:41
